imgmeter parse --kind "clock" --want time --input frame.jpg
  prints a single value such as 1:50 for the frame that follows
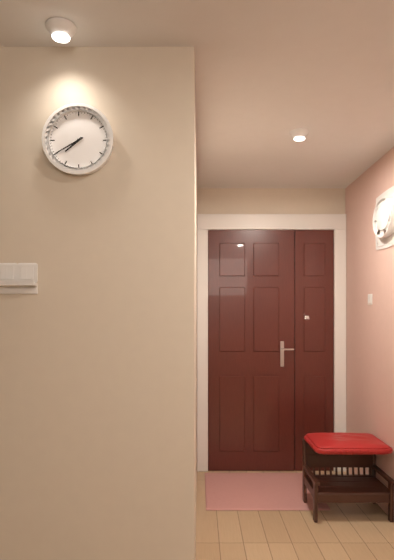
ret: 7:40
